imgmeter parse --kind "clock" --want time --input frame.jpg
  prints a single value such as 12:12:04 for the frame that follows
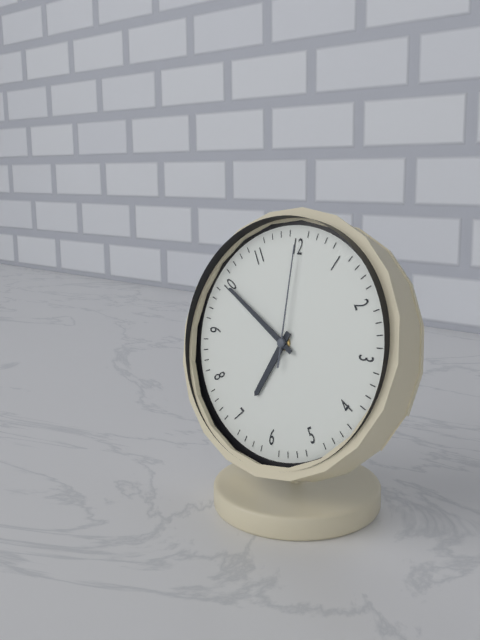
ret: 6:50:00
